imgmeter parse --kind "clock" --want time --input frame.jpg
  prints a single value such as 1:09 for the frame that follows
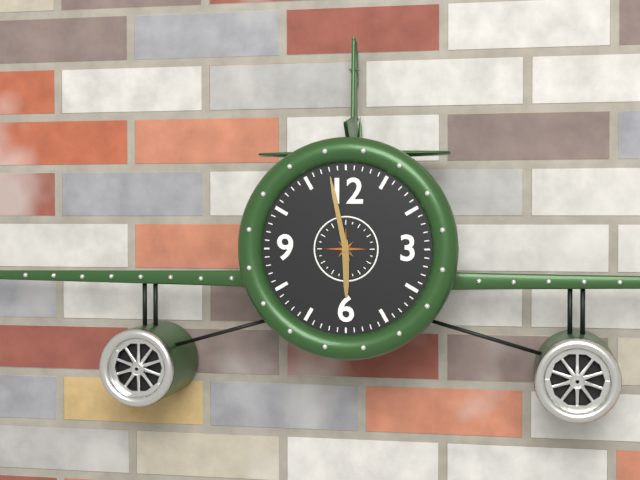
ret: 5:58
